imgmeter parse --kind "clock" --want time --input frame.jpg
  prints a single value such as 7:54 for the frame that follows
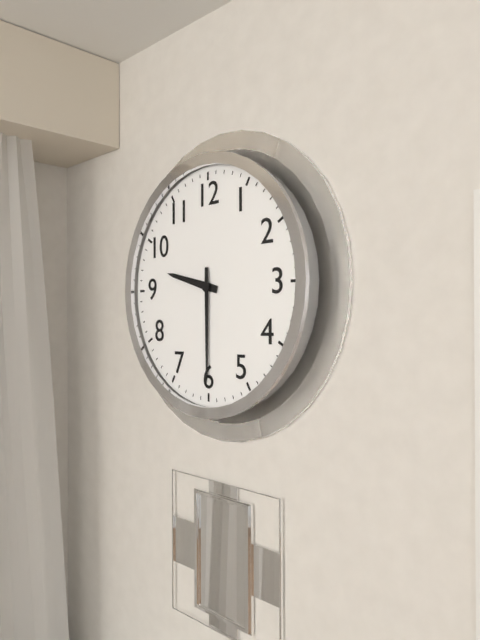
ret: 9:30
